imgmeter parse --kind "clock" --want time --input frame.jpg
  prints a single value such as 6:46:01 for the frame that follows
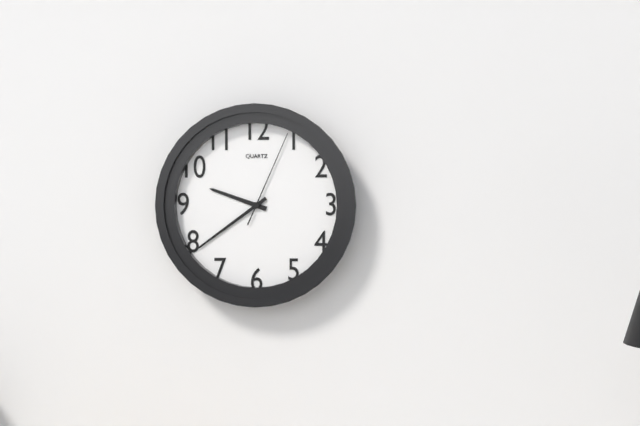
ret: 9:39:04
